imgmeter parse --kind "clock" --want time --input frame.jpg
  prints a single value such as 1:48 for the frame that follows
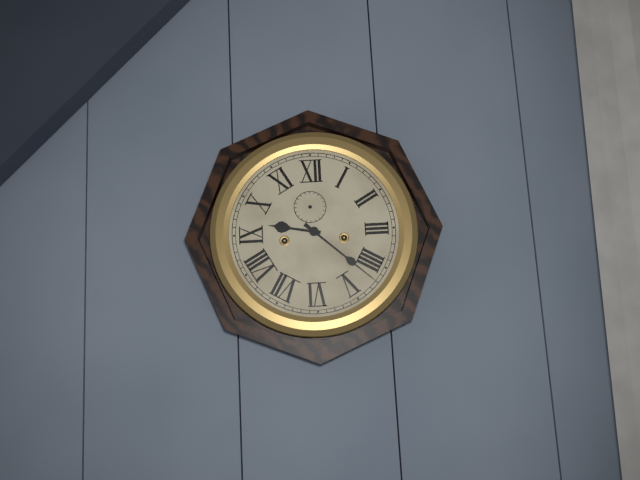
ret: 9:22
